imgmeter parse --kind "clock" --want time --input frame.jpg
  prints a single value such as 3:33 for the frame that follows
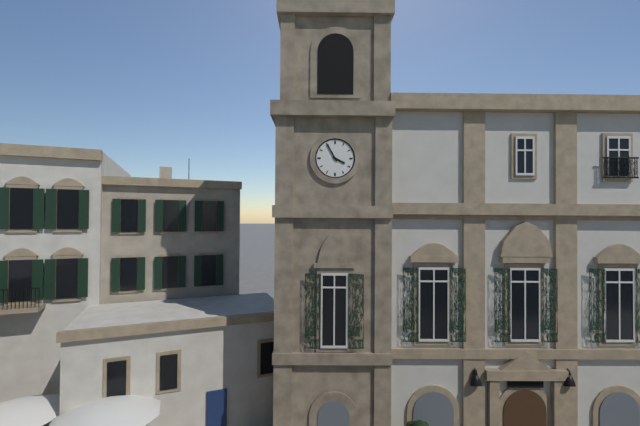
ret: 3:55
